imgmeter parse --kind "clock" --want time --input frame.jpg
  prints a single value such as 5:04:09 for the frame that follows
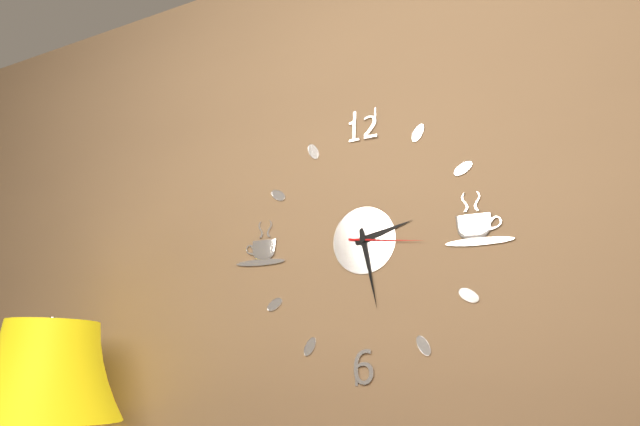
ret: 2:28:16
